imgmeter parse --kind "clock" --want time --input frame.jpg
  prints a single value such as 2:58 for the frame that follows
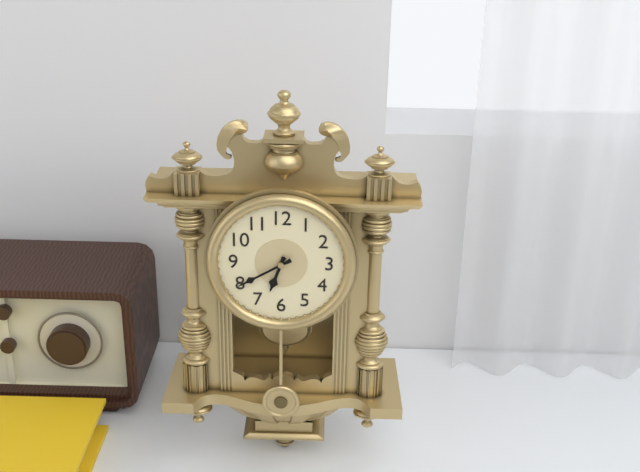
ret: 6:40
